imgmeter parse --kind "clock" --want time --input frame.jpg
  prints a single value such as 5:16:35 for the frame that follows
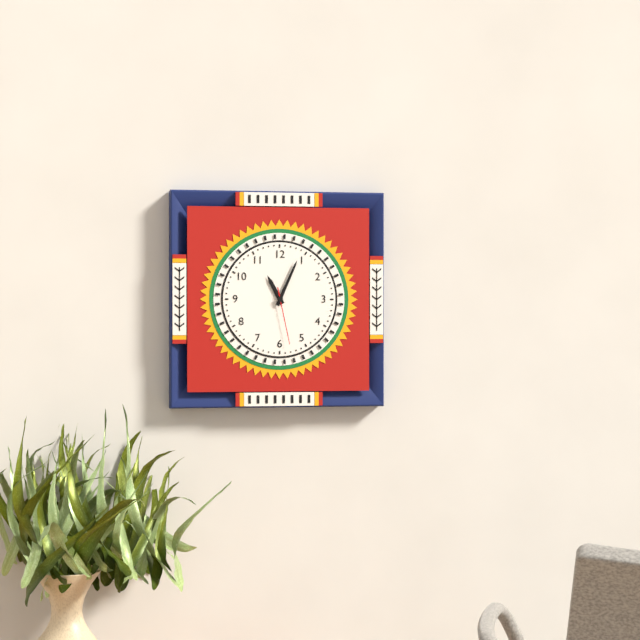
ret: 11:04:28
